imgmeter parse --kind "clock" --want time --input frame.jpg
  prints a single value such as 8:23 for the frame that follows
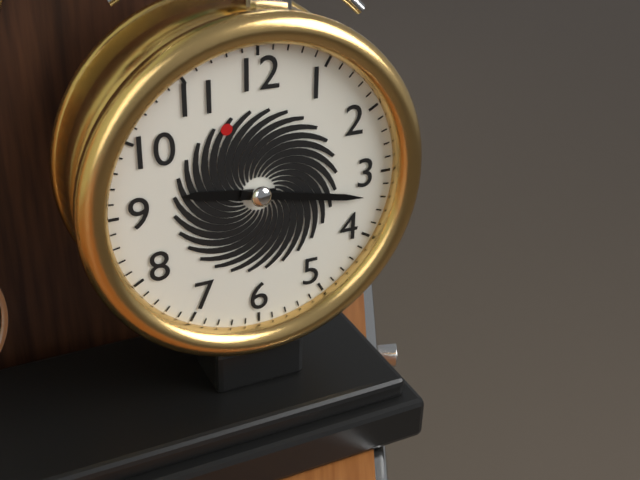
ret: 9:17
